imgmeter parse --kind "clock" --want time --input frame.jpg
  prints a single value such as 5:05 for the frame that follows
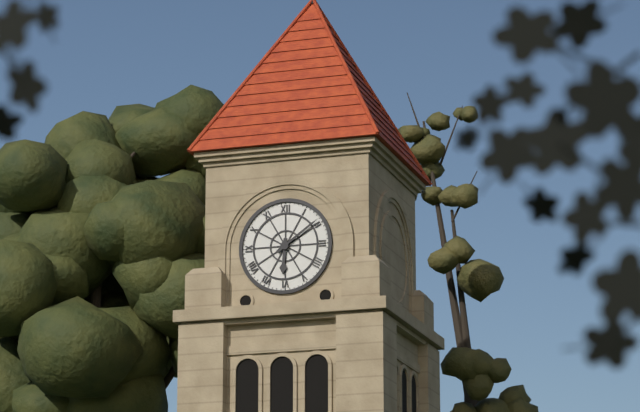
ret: 6:09
